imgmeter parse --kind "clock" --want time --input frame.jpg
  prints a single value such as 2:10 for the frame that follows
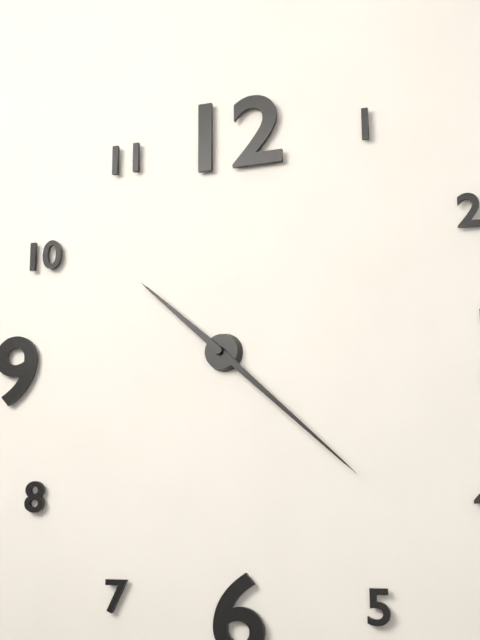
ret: 10:22
